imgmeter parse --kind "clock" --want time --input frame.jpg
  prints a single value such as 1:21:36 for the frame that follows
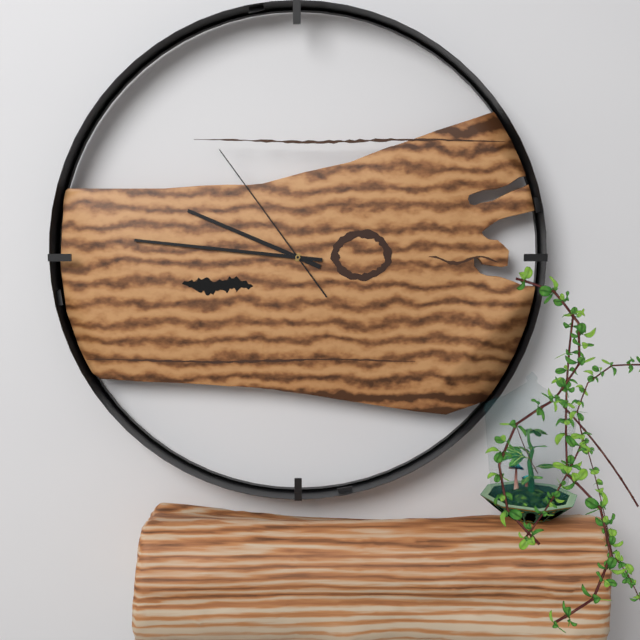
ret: 9:46:54
